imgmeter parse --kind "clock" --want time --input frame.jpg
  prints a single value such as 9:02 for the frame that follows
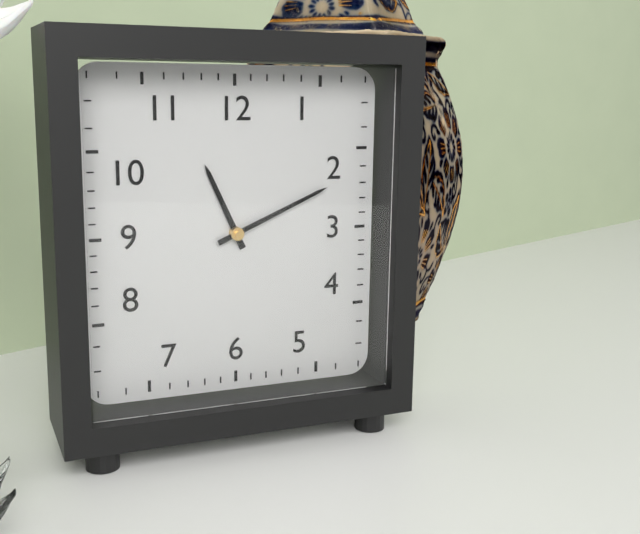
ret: 11:11
